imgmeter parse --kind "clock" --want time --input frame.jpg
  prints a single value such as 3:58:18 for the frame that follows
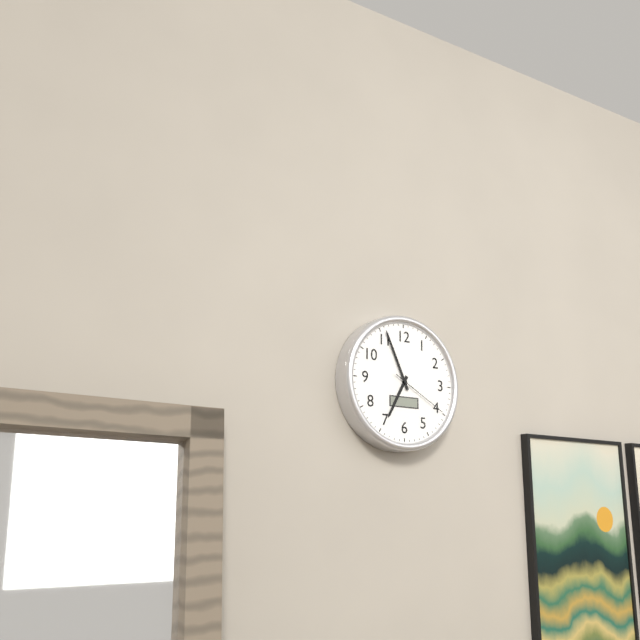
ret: 6:56:20
